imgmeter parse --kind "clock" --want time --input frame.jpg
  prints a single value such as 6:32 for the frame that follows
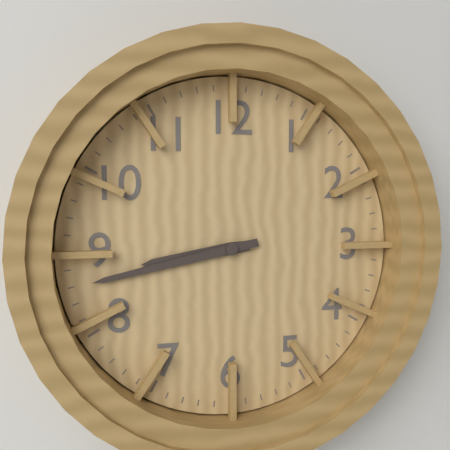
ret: 8:43
